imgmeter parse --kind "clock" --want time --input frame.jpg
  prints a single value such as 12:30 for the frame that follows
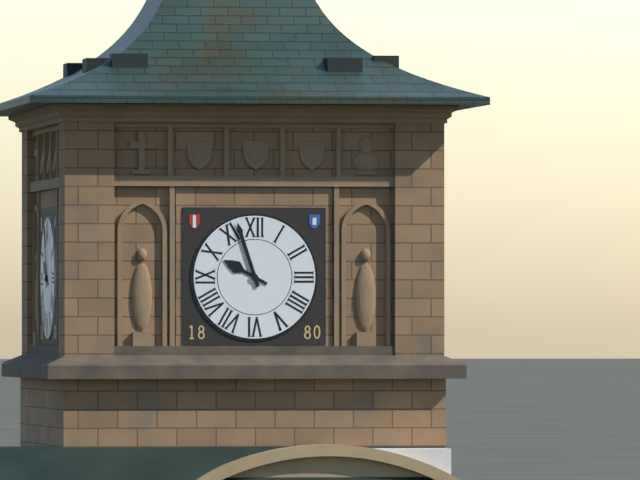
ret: 9:57
